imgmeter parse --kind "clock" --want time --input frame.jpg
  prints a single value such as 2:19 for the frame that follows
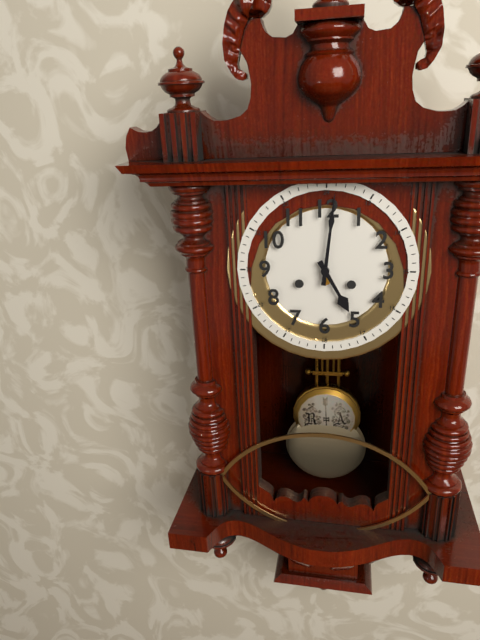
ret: 5:01
